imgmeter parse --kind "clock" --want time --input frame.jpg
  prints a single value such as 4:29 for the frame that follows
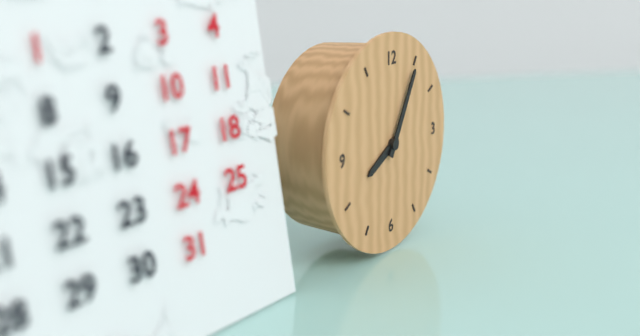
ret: 8:05
